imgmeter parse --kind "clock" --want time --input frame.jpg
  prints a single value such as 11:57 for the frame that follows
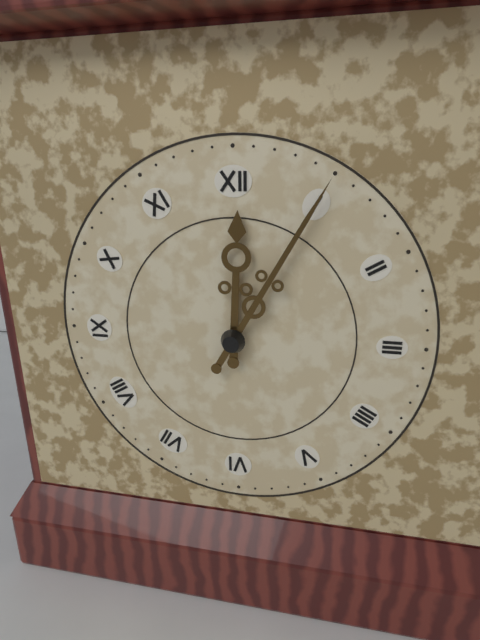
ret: 12:05
